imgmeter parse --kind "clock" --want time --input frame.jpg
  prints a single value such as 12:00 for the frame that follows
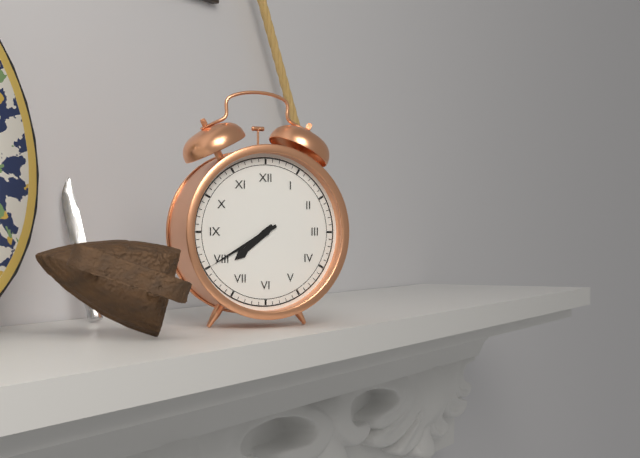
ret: 7:40
